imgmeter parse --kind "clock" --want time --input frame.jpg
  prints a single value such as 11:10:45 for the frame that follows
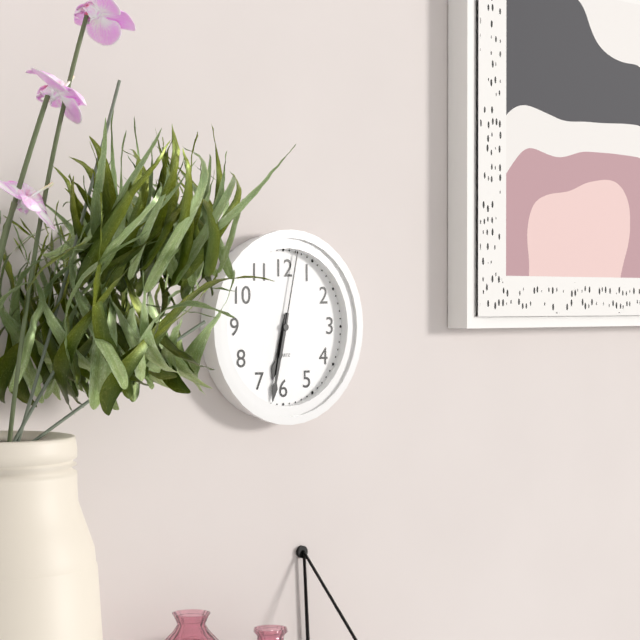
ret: 6:32:02
